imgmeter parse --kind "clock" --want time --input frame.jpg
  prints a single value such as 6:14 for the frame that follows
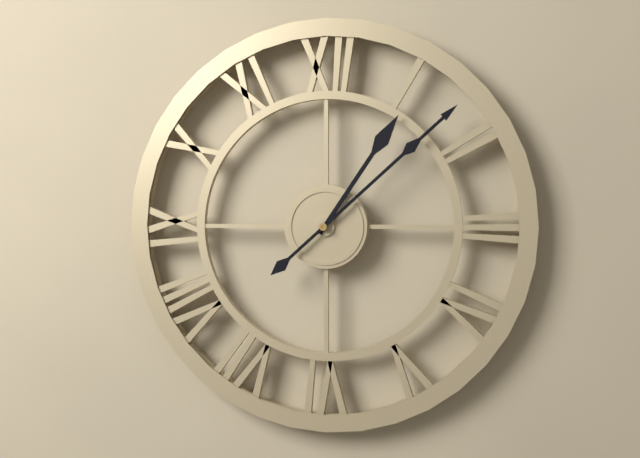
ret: 1:08
